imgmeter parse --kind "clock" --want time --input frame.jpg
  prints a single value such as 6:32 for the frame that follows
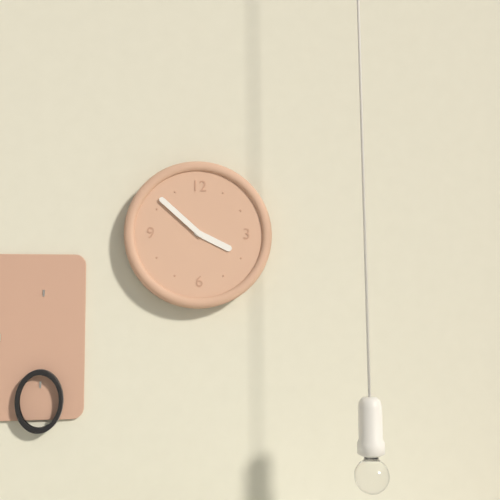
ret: 3:52
